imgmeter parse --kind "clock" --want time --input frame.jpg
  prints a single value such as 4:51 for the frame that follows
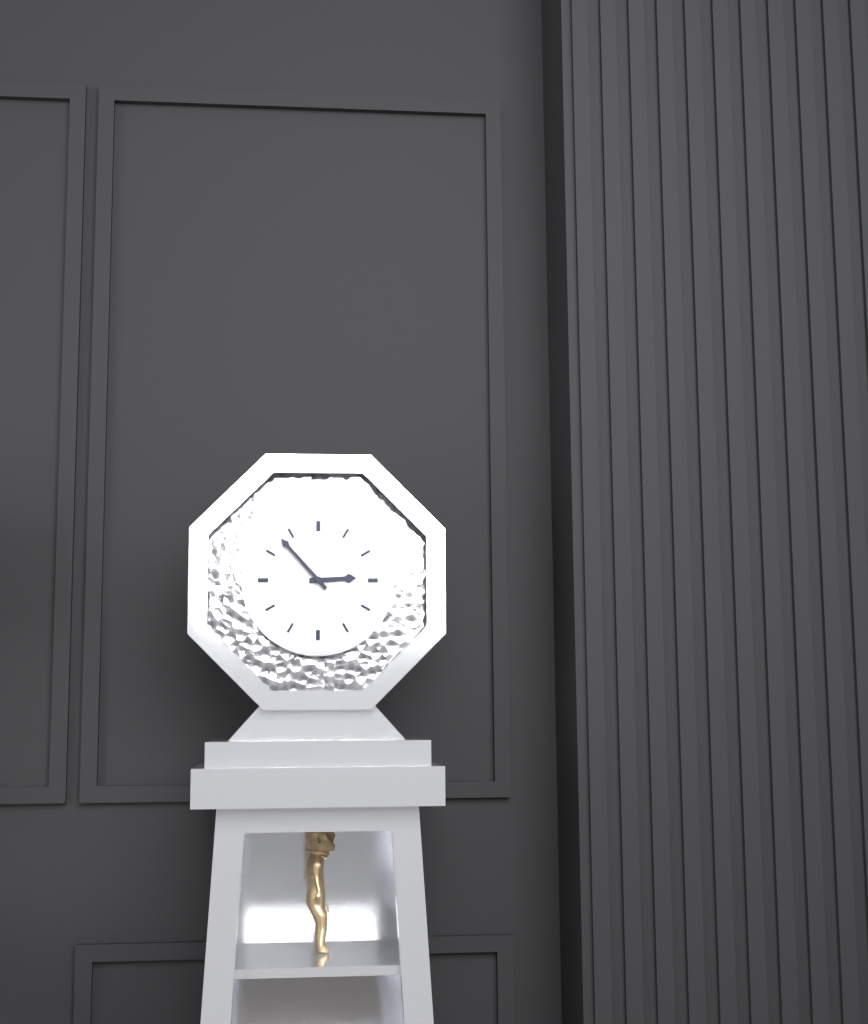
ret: 2:53
